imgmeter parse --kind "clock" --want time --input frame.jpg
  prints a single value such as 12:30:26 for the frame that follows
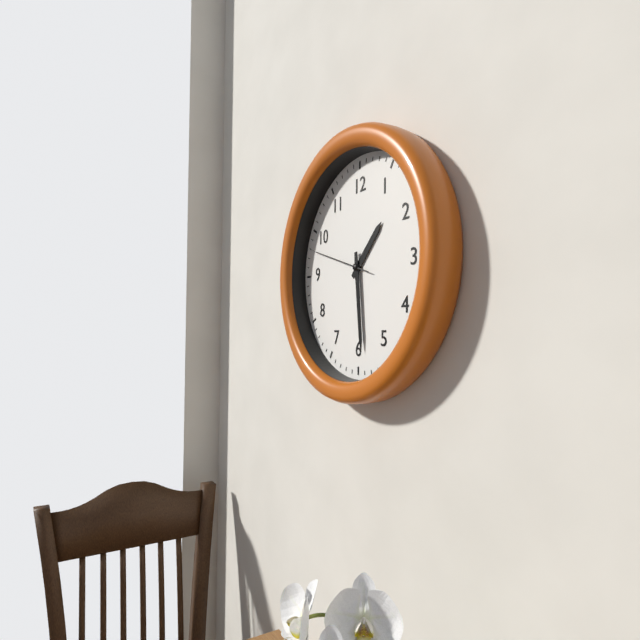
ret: 1:29:48
